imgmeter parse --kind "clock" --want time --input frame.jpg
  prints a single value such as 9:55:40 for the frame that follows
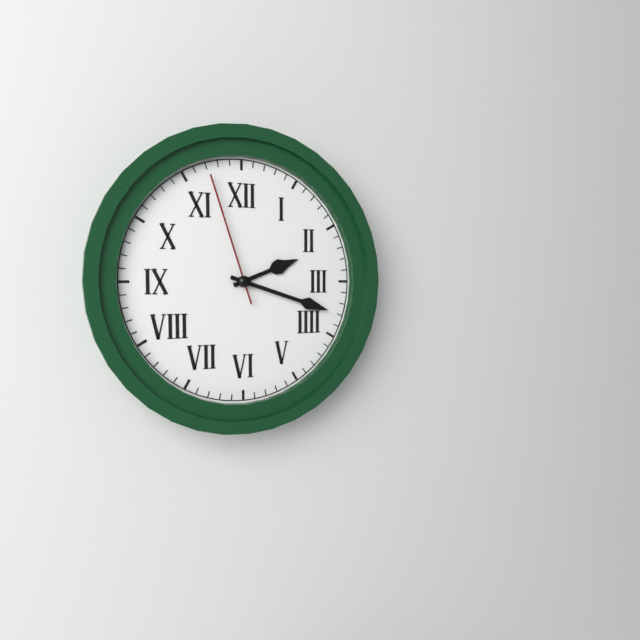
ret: 2:18:57
